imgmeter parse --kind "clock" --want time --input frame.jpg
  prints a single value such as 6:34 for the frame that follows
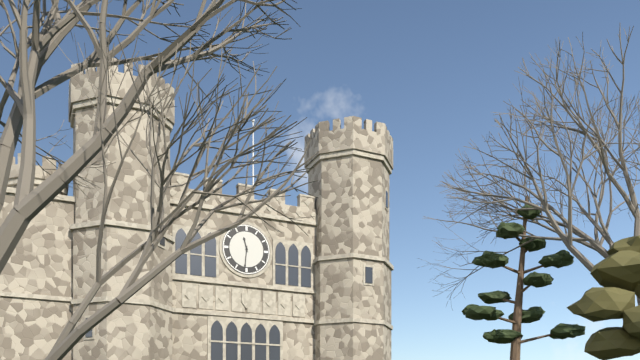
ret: 11:31
